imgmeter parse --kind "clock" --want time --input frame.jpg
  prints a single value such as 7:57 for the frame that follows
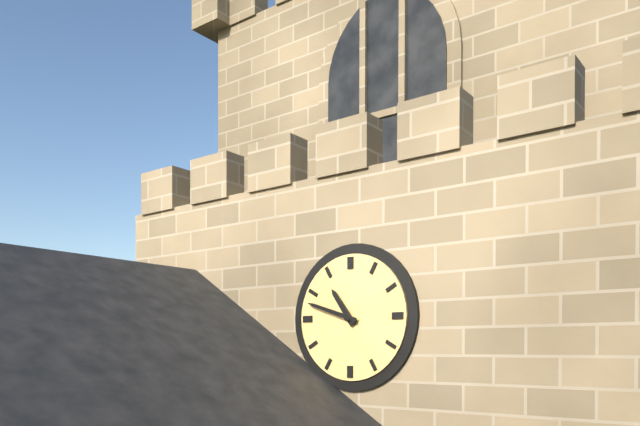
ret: 10:48
